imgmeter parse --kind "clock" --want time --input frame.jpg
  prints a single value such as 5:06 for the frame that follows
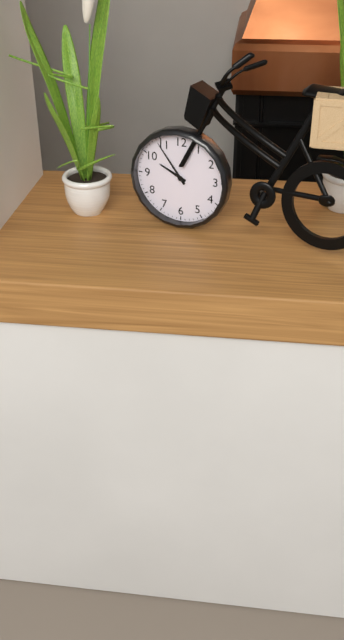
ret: 9:54
